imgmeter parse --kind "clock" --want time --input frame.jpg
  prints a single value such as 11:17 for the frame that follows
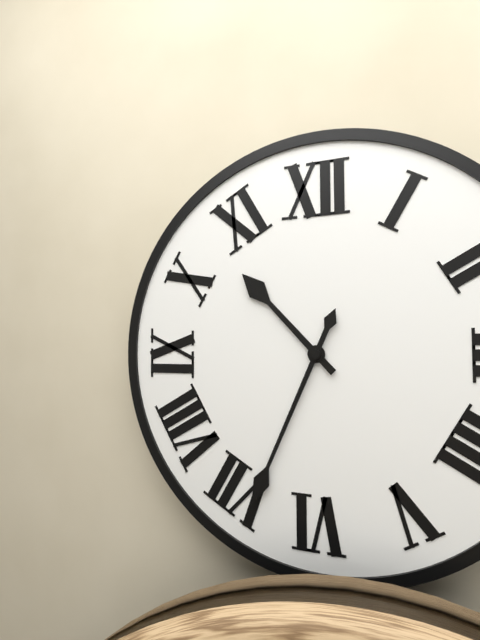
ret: 10:34
